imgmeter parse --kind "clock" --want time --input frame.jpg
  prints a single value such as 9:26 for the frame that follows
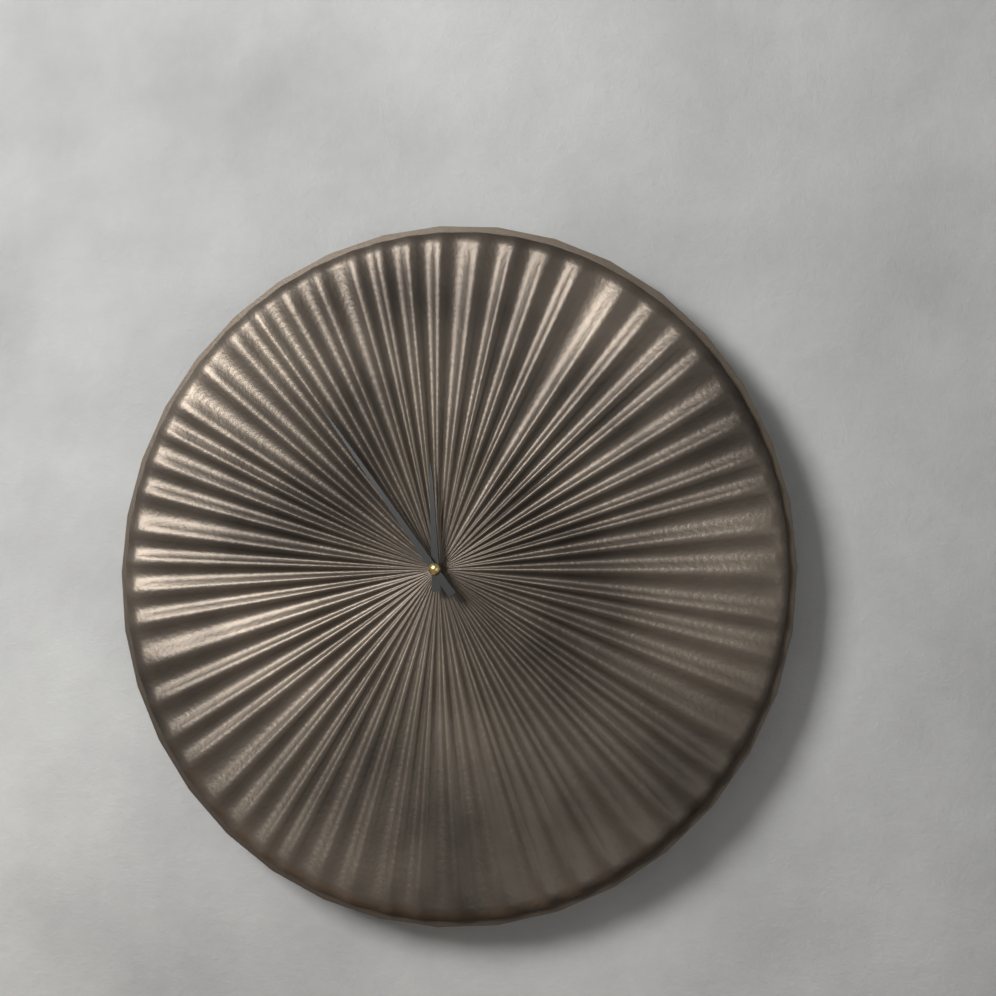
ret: 11:54
